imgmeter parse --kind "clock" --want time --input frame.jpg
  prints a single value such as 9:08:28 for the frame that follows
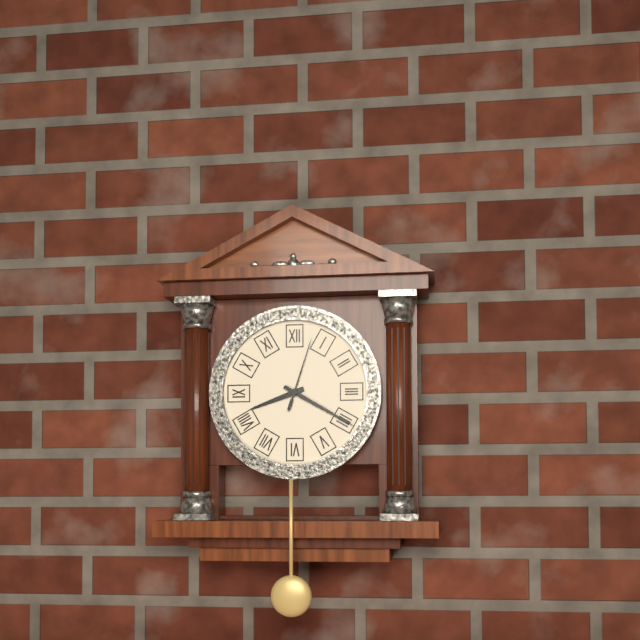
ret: 8:20:03
